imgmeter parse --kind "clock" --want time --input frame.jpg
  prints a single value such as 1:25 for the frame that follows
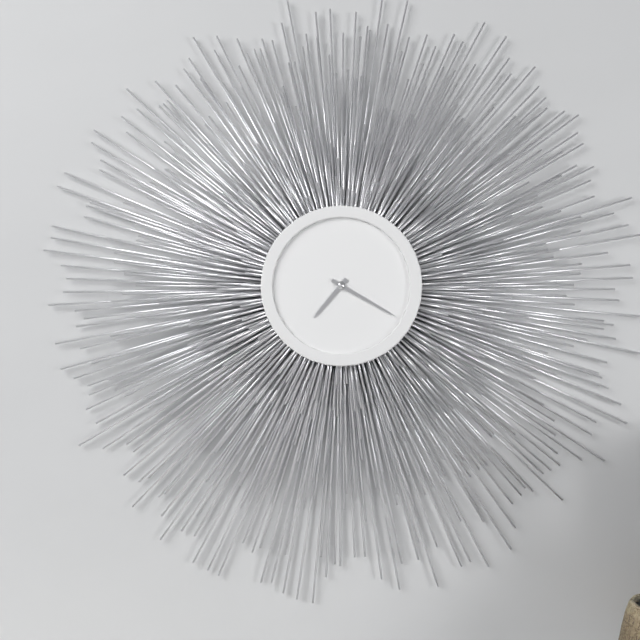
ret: 7:20
